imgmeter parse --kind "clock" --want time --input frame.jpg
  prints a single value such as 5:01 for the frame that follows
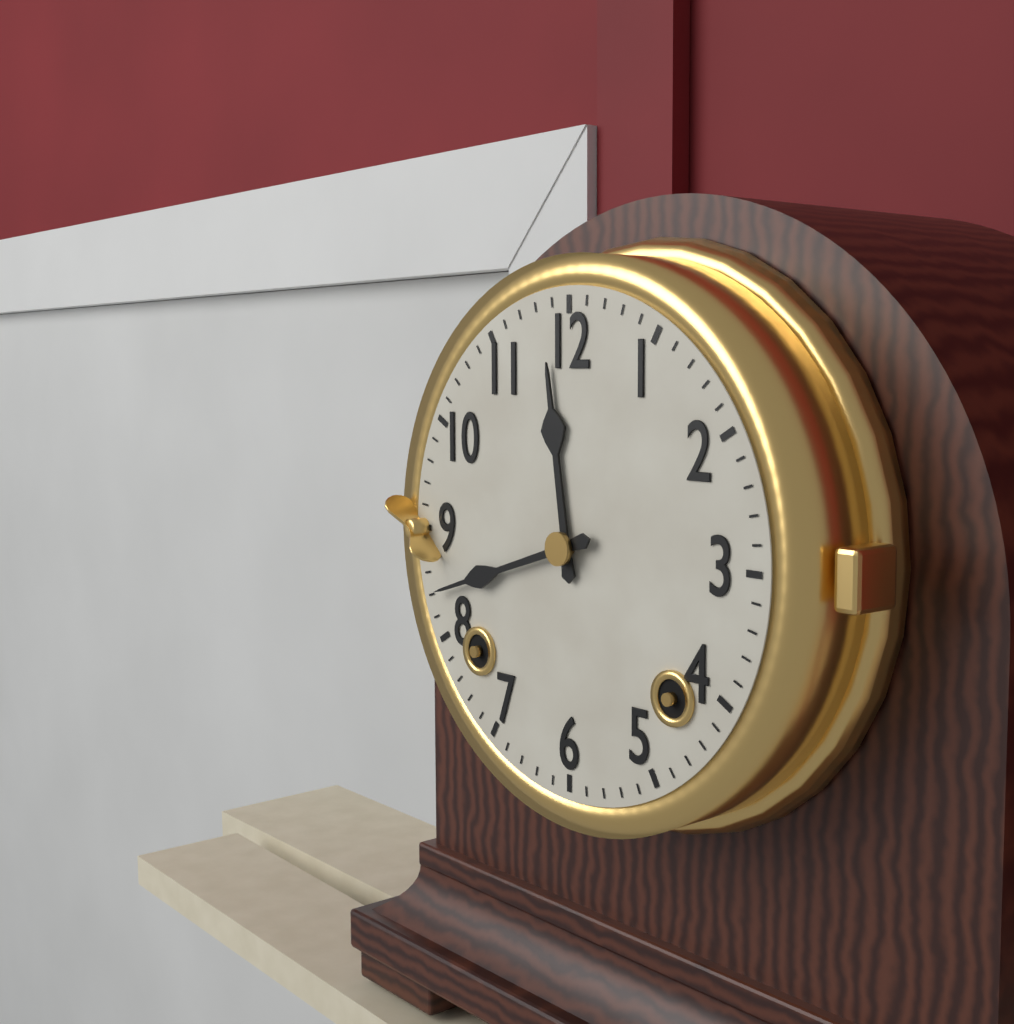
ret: 11:42
